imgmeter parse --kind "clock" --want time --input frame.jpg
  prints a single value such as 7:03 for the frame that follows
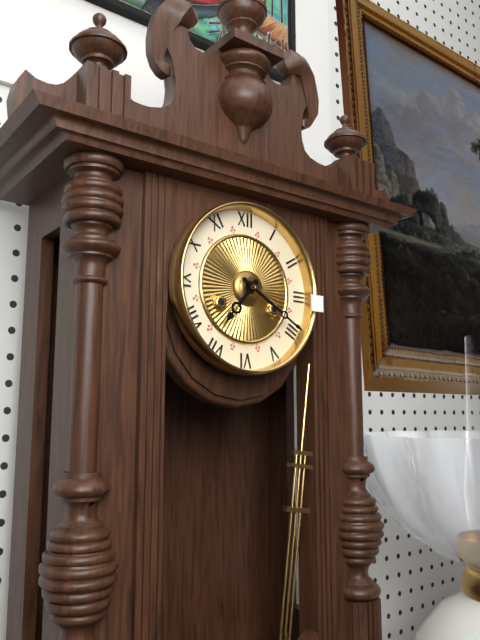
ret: 7:20
